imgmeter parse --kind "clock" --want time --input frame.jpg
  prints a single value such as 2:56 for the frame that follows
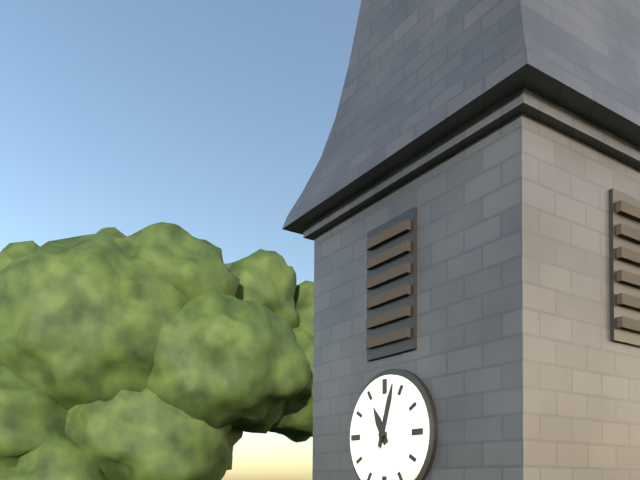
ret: 11:03
